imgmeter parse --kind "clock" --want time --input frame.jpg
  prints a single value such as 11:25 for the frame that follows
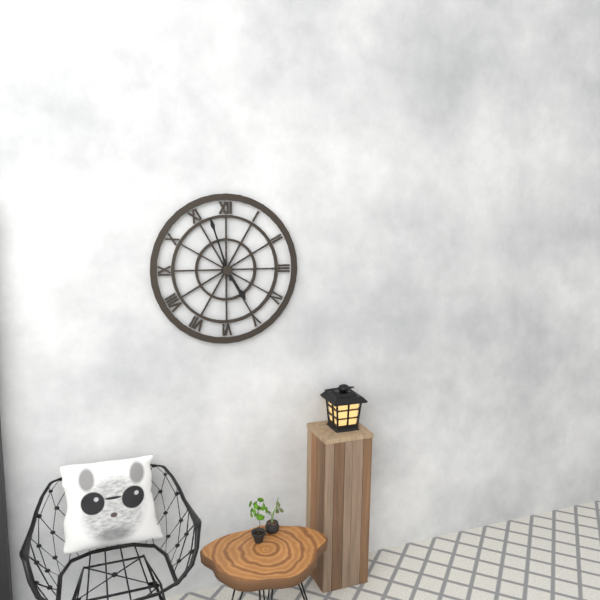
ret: 4:57
